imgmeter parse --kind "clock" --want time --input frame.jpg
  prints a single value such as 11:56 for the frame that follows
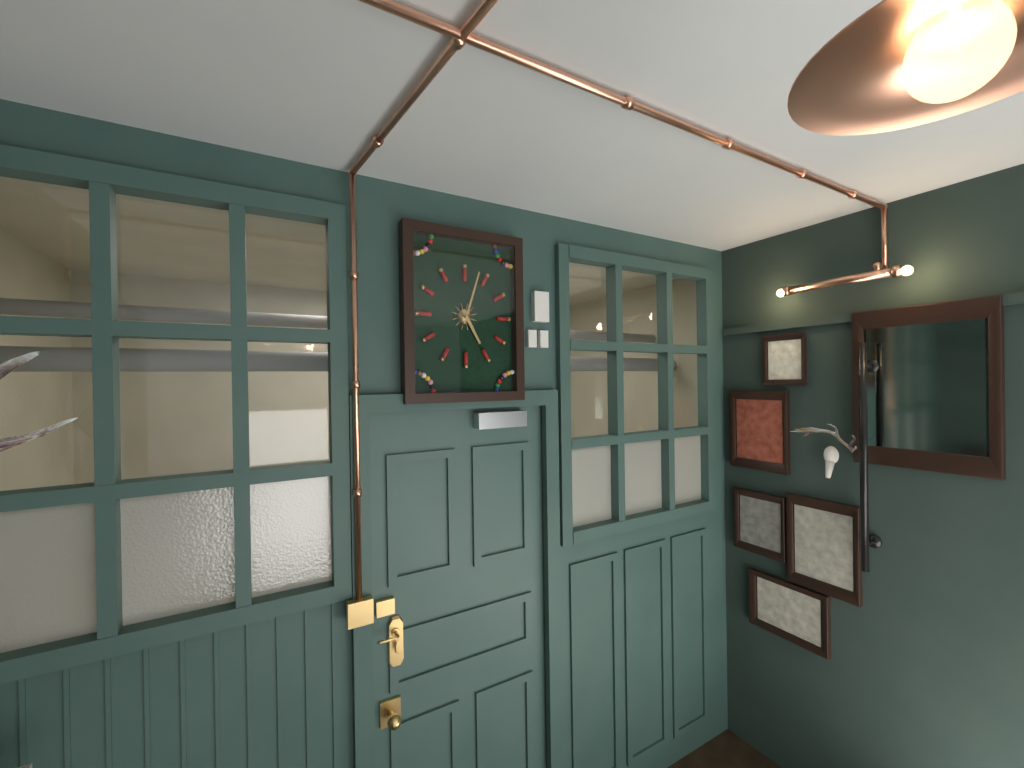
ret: 5:03
